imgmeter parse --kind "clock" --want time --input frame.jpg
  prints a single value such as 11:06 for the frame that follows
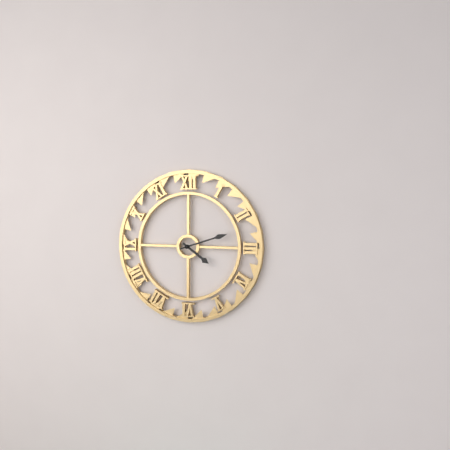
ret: 4:12
